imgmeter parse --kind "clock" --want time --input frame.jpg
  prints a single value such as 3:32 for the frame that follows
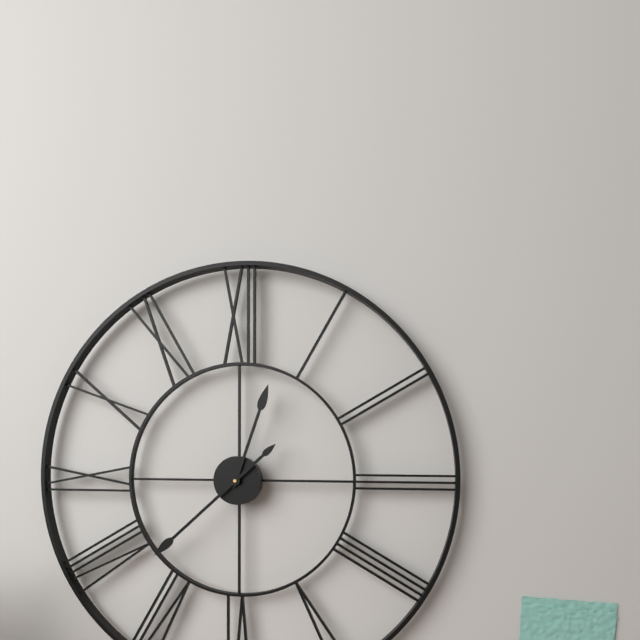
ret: 12:38
